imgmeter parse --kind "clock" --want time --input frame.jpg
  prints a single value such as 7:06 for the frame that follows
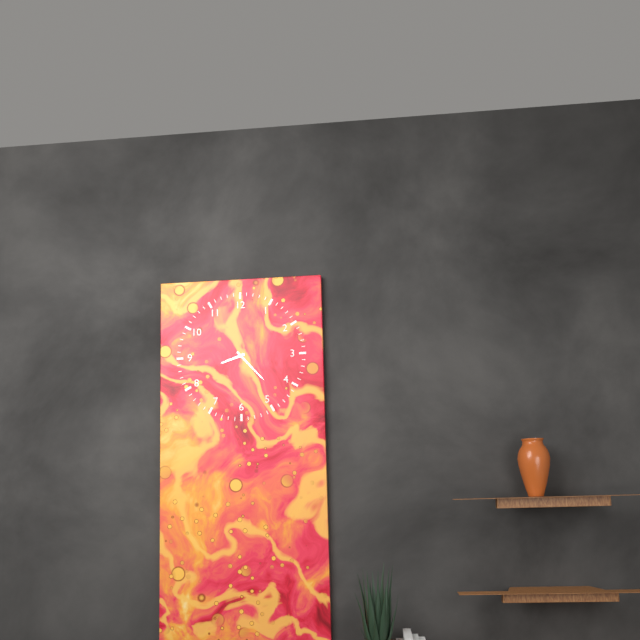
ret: 8:23
